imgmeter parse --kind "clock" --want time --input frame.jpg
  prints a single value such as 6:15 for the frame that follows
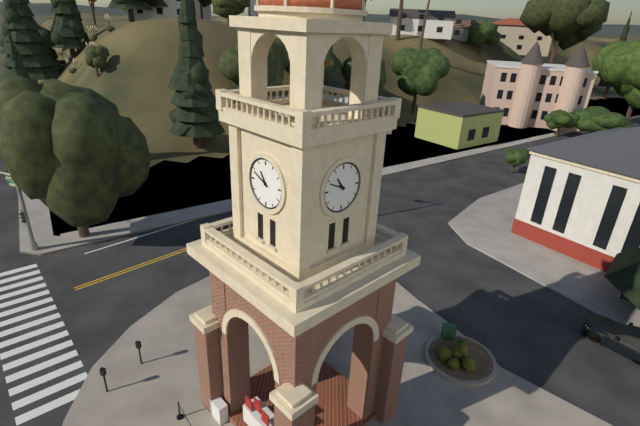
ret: 10:49
